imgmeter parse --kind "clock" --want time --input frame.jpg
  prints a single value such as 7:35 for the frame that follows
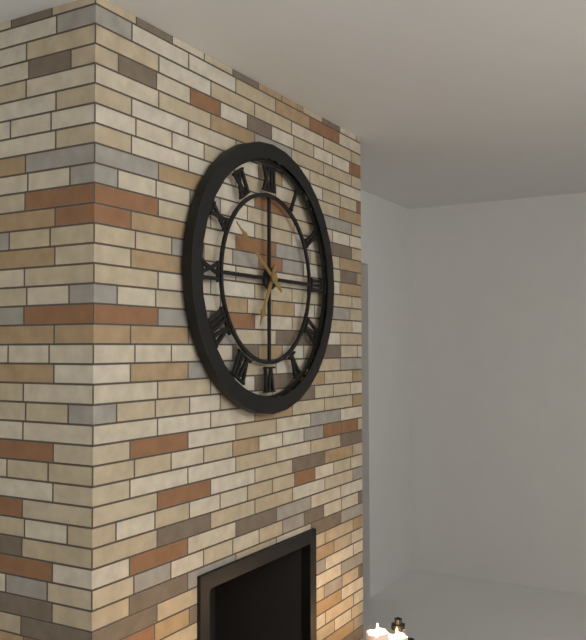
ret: 6:51
